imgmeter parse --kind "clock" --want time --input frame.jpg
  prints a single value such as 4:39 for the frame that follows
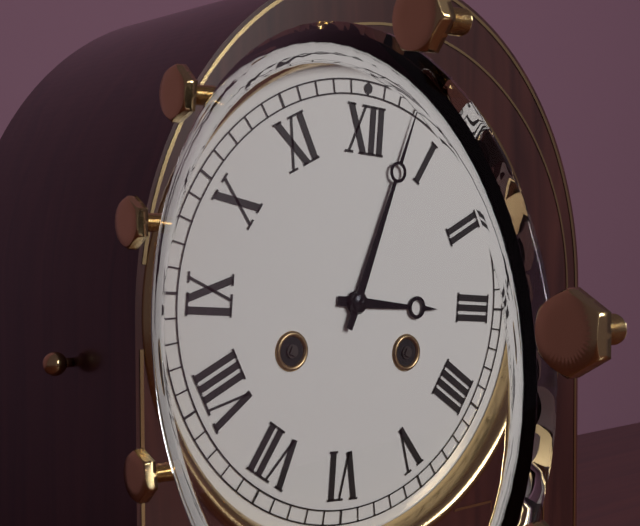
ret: 3:03
